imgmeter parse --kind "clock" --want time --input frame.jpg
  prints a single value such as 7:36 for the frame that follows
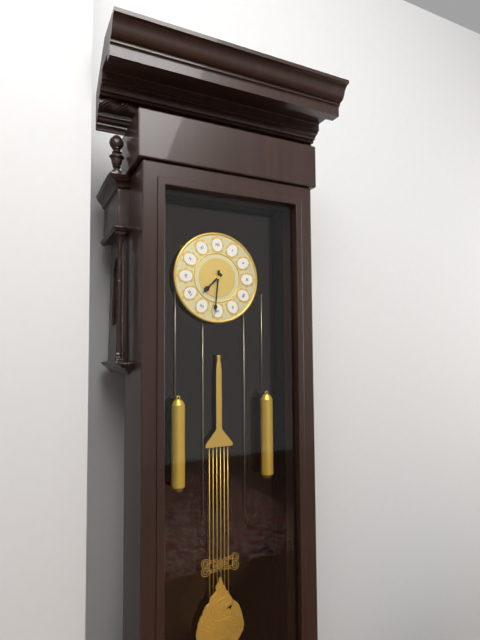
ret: 7:31
